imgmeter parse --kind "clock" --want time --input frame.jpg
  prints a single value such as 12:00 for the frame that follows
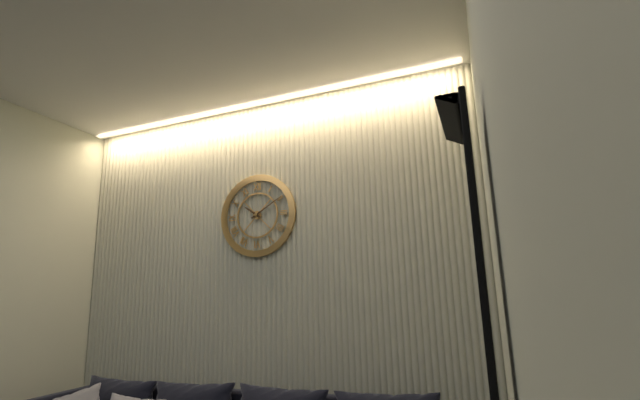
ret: 10:10
